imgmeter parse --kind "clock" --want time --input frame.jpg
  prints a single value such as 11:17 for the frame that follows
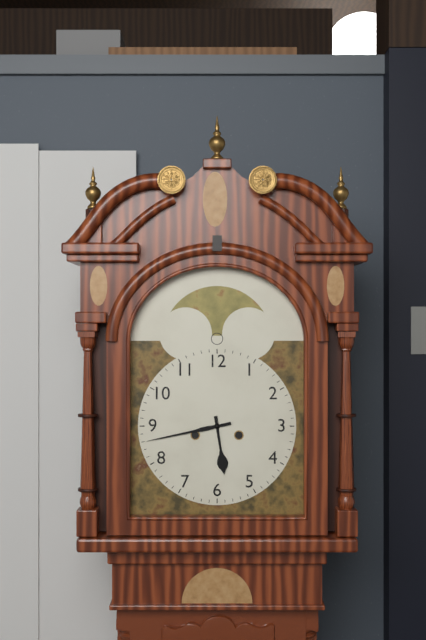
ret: 5:43
